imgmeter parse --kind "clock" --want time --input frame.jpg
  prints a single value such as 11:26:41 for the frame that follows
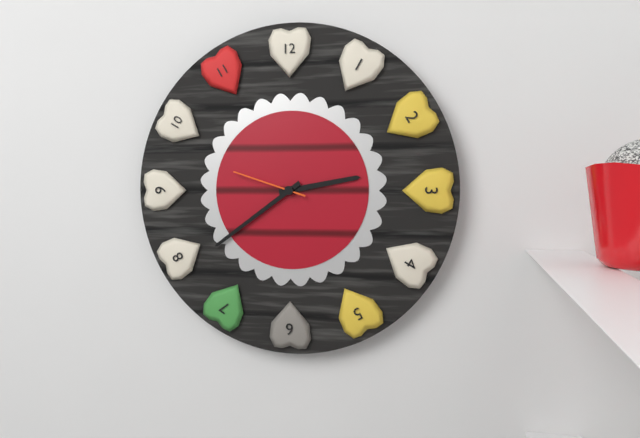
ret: 2:39:48
